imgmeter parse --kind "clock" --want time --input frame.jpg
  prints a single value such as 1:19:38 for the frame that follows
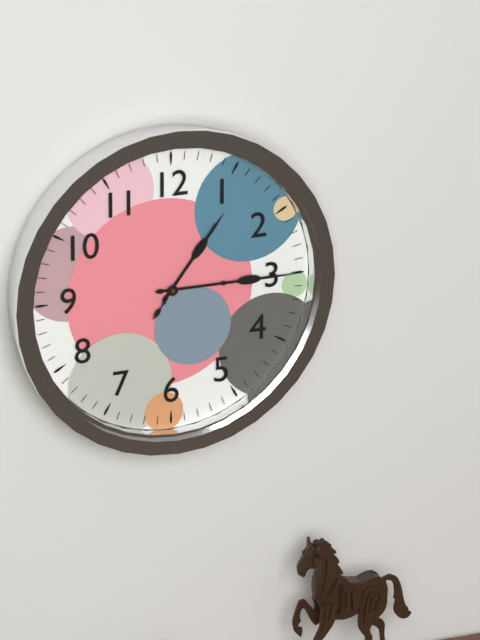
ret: 1:15:06
